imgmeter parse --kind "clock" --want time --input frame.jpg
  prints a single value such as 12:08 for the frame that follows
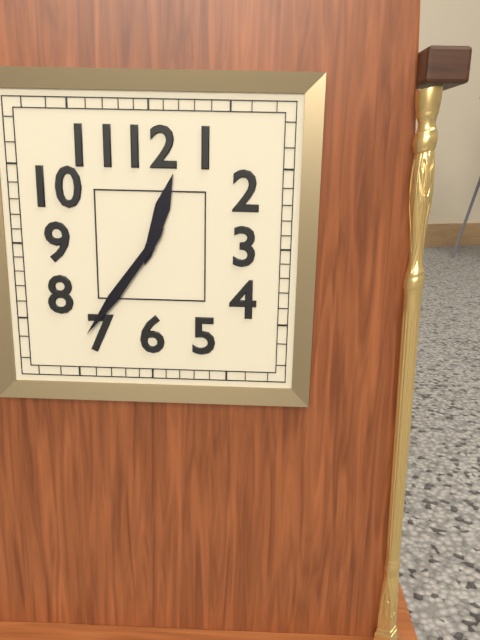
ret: 12:36
